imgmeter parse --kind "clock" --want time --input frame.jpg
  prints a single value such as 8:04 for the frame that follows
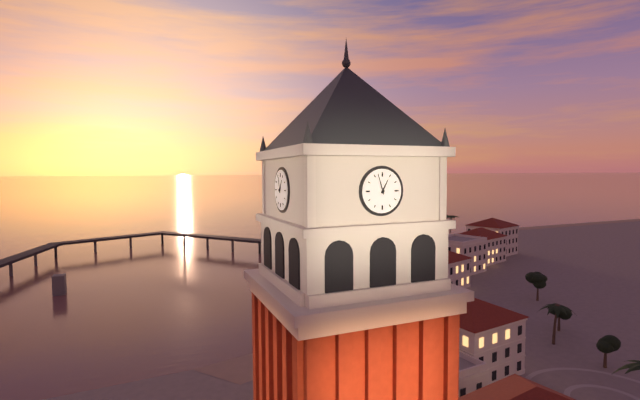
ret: 12:57
